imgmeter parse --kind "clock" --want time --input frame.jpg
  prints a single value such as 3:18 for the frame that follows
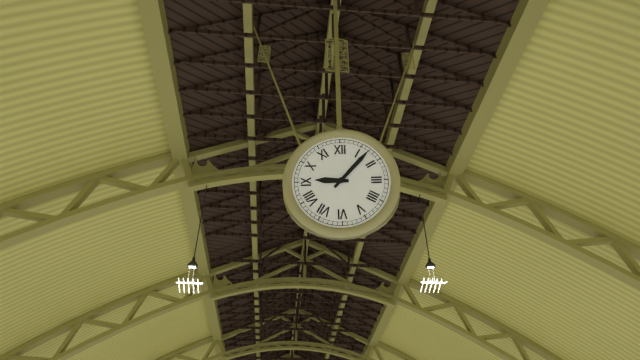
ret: 9:07
